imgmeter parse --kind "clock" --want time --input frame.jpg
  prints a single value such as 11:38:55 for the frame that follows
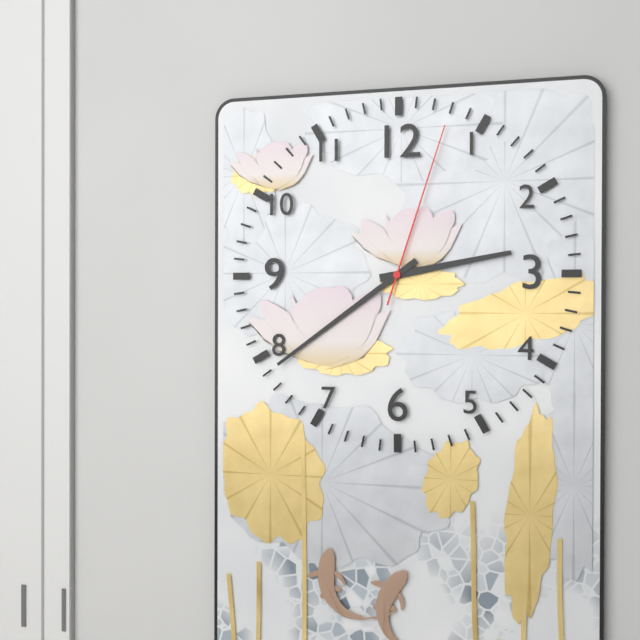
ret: 2:39:03
